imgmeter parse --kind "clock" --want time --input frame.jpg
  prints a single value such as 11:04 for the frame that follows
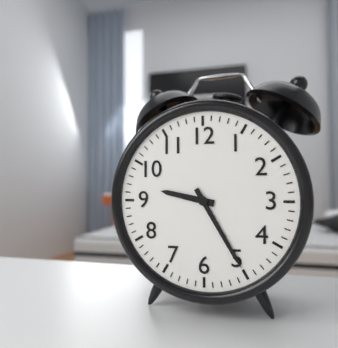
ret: 9:25
